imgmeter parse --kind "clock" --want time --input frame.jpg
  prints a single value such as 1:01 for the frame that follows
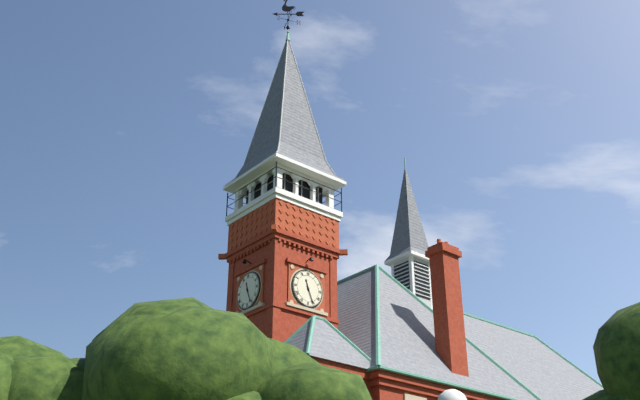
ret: 11:26
